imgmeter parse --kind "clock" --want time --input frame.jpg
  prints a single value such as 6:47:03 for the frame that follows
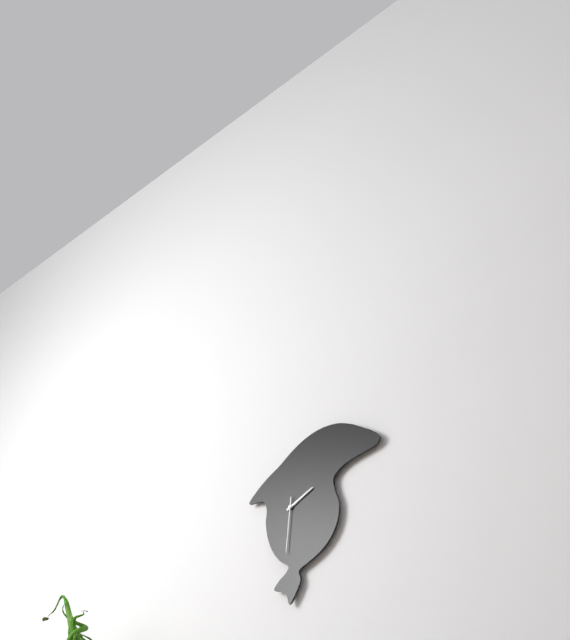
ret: 2:11:31
